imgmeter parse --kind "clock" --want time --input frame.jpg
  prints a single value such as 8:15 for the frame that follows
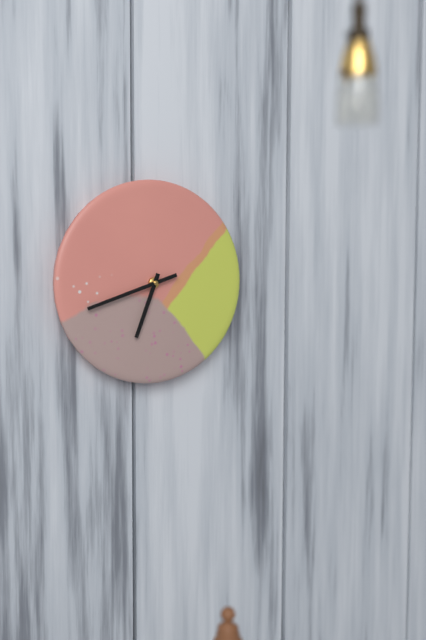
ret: 6:42
